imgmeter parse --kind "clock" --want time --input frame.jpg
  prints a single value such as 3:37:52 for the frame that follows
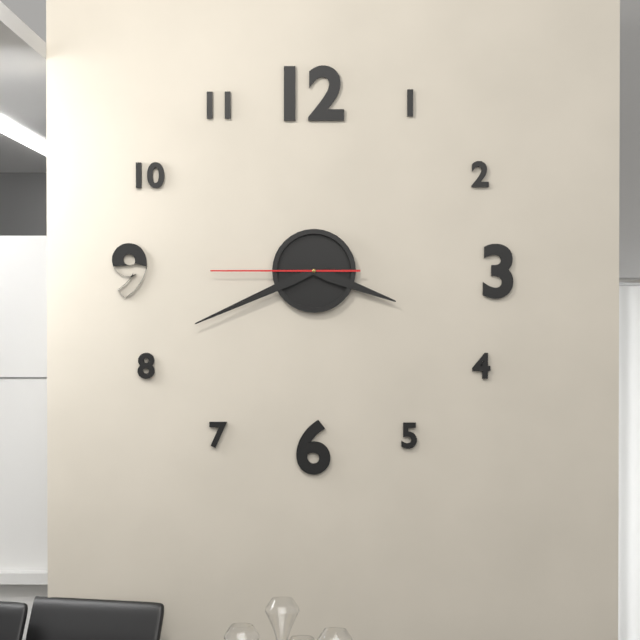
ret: 3:41:45
